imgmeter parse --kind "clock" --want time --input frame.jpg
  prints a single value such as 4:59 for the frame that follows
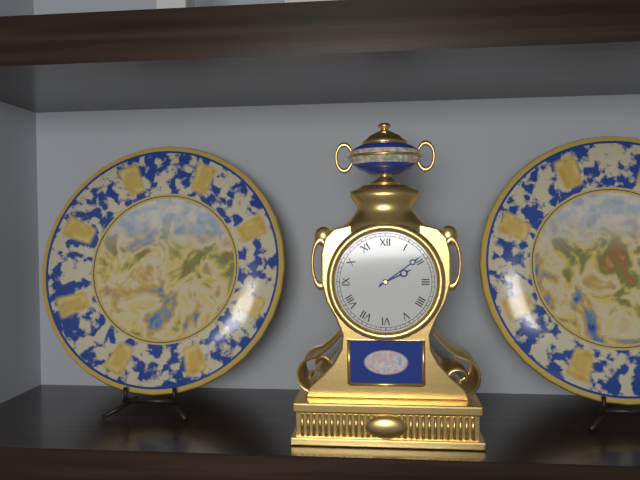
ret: 2:09
